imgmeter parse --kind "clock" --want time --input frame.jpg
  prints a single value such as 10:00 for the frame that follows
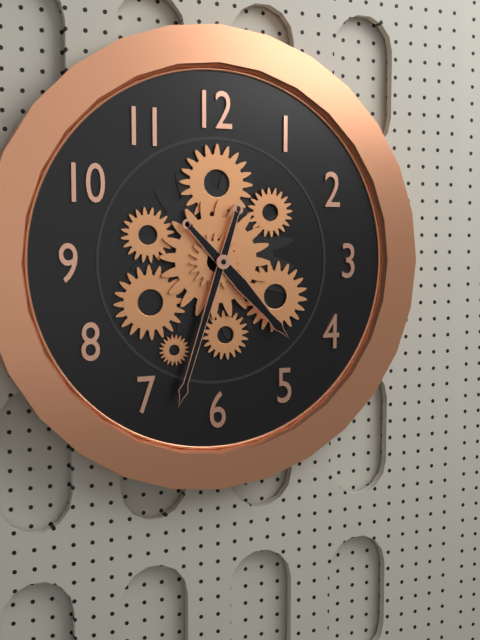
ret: 4:33
